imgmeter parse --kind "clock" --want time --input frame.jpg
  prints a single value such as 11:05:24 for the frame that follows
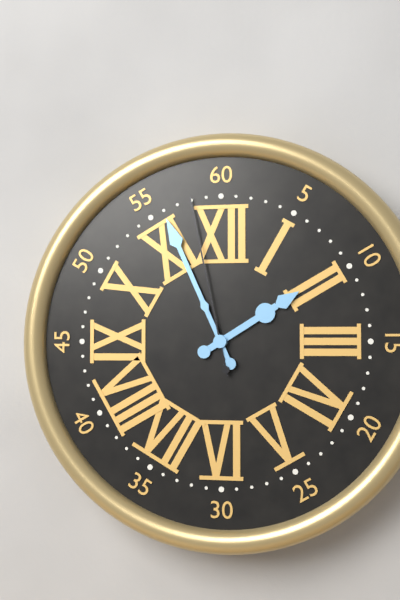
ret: 1:56:58
